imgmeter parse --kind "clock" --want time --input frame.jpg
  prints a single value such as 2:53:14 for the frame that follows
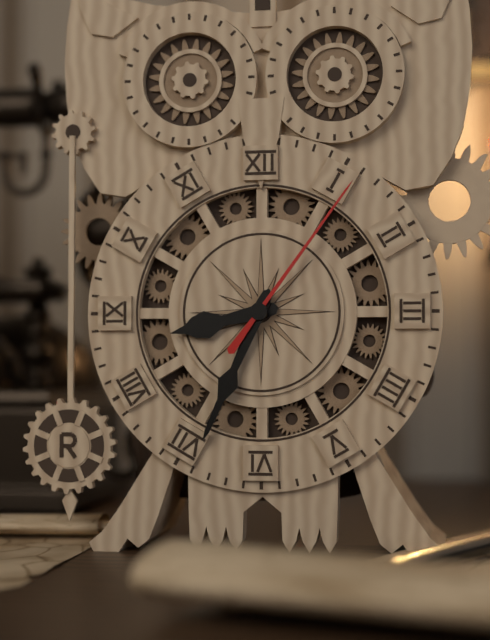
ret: 8:34:06
